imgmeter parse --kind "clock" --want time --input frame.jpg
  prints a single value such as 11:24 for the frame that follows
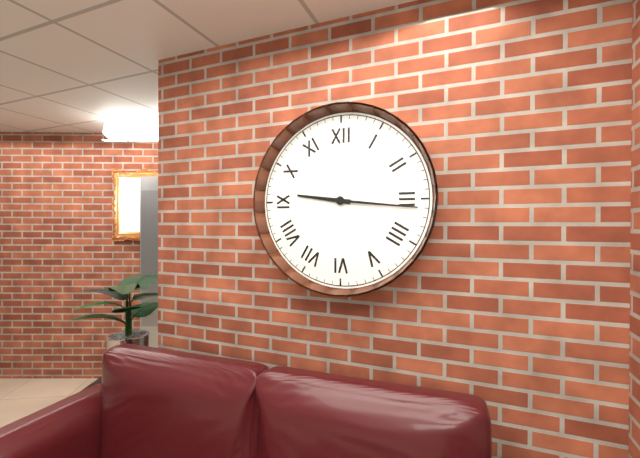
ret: 9:16
